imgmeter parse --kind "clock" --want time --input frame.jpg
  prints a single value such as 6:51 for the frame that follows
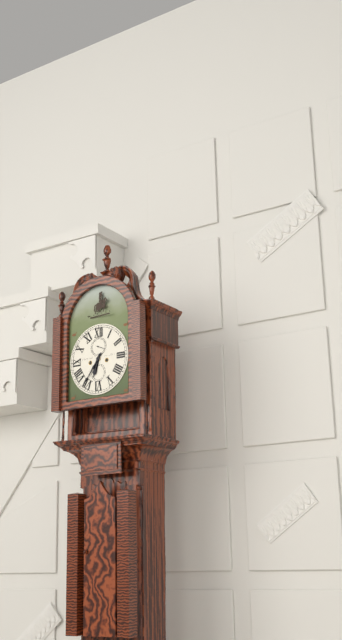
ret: 6:36
